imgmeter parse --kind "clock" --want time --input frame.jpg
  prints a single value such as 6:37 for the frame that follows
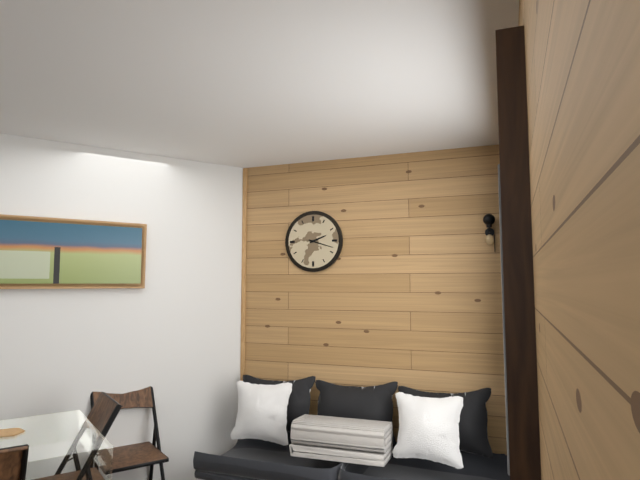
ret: 2:18
